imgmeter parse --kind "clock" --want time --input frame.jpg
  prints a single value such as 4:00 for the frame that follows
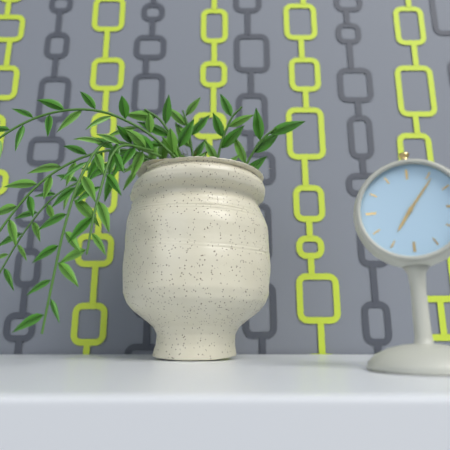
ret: 7:06
